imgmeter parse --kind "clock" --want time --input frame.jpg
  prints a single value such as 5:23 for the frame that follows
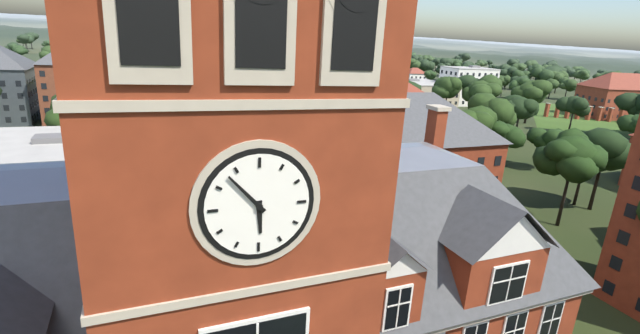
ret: 5:53
